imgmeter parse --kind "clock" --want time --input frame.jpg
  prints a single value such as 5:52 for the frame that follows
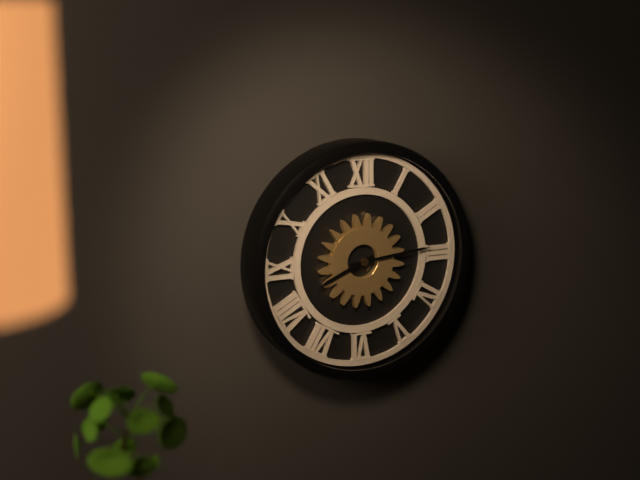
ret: 8:14
